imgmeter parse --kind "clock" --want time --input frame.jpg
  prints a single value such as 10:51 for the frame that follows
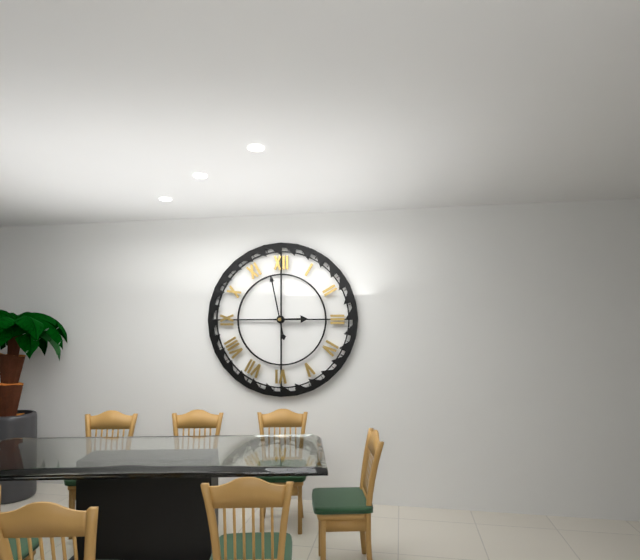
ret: 2:58
